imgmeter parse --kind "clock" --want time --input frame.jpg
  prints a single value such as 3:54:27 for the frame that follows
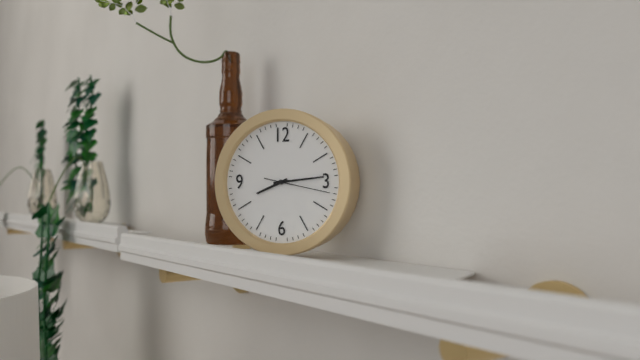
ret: 8:14:17
